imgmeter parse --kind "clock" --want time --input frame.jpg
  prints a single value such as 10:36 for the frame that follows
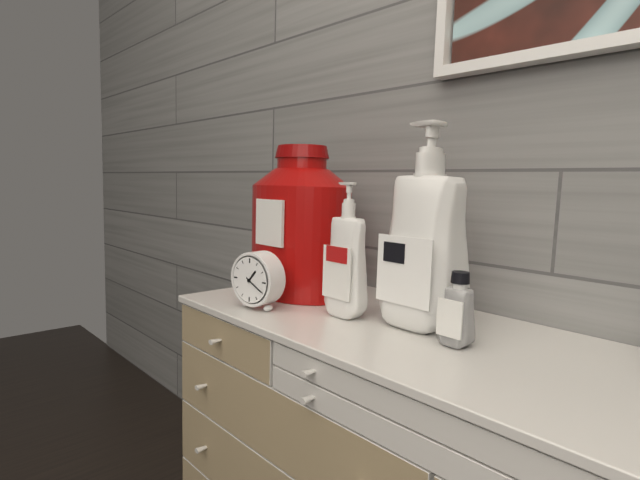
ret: 1:20
